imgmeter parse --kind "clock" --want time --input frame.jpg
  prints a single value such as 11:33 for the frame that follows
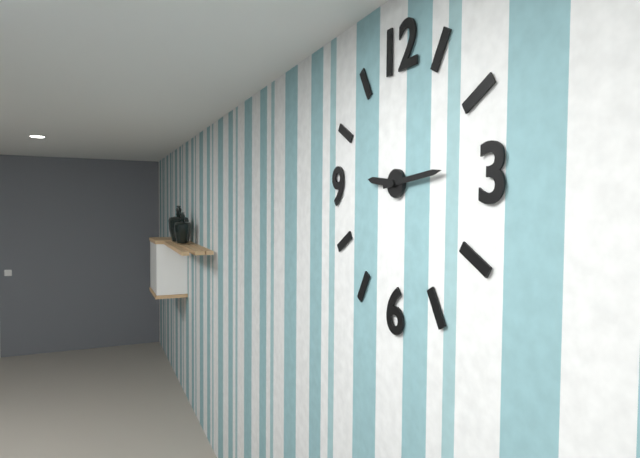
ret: 9:14
